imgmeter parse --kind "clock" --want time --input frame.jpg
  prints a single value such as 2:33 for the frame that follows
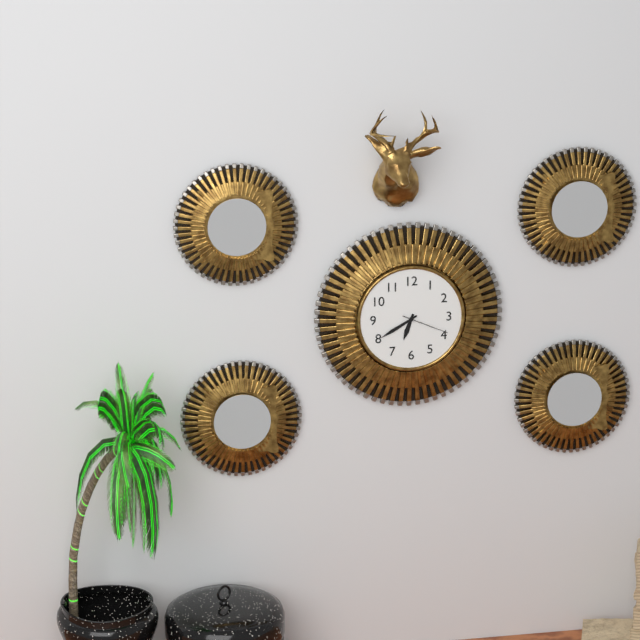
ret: 6:40
